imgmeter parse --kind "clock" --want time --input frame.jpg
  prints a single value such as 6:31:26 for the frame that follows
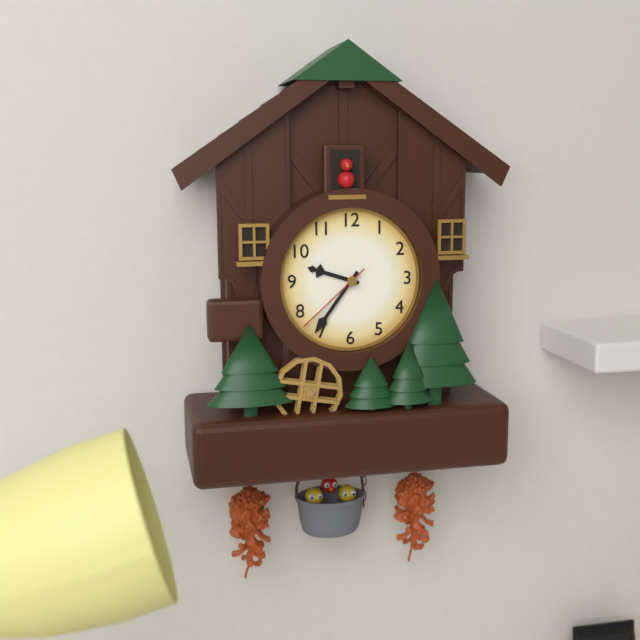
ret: 9:36:38
